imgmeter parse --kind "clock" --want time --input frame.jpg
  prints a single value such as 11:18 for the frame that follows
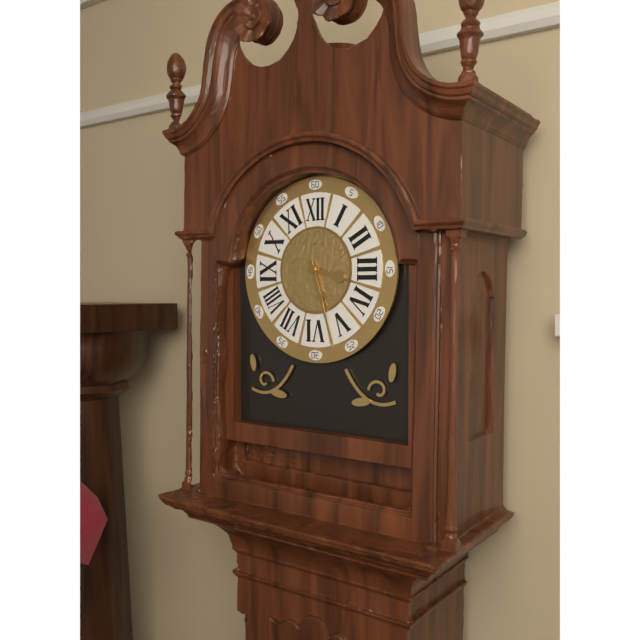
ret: 3:27
